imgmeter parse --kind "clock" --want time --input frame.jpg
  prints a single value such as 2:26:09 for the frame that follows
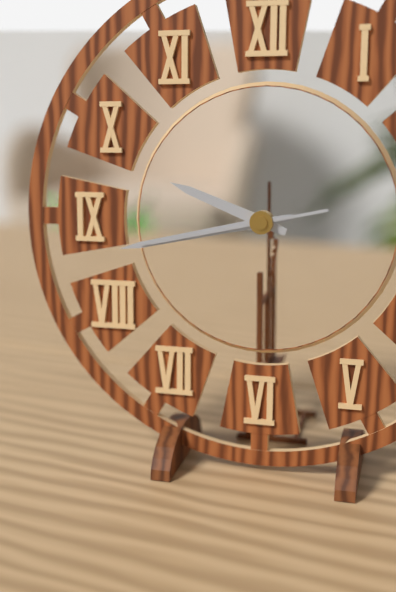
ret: 9:43:43
